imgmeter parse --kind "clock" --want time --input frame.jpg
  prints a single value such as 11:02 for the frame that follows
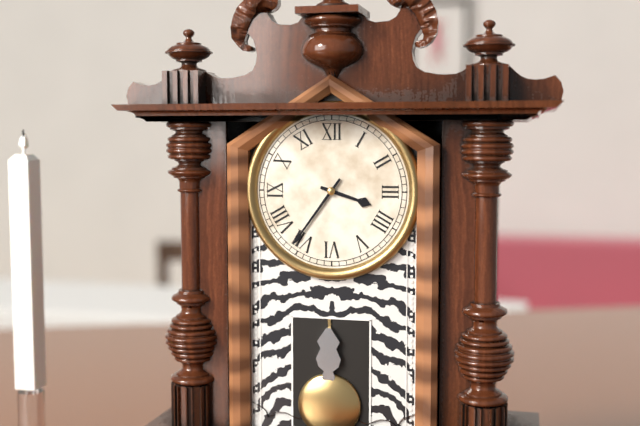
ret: 3:36
